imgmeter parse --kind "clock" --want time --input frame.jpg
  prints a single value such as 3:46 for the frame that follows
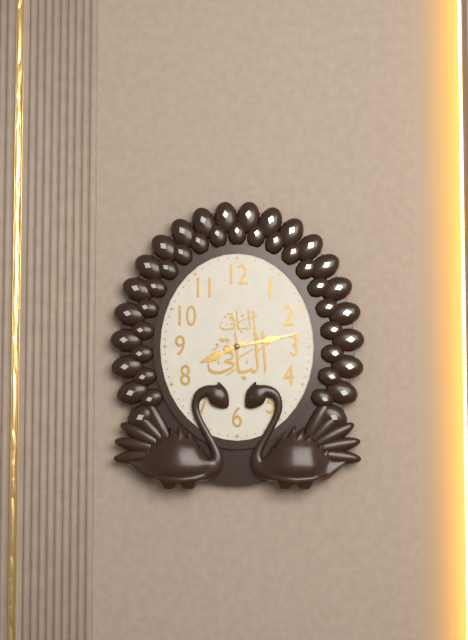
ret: 8:13
